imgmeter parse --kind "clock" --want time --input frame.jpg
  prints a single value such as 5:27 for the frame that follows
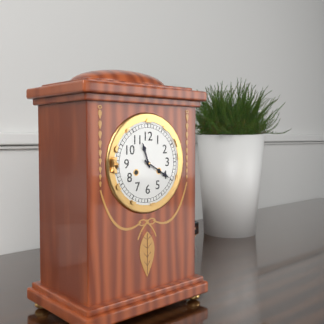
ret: 11:20
